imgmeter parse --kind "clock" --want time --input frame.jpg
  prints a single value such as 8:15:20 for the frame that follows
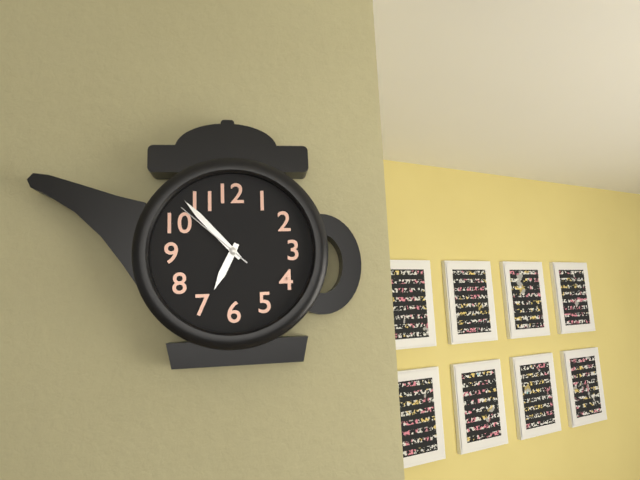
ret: 6:53:52
